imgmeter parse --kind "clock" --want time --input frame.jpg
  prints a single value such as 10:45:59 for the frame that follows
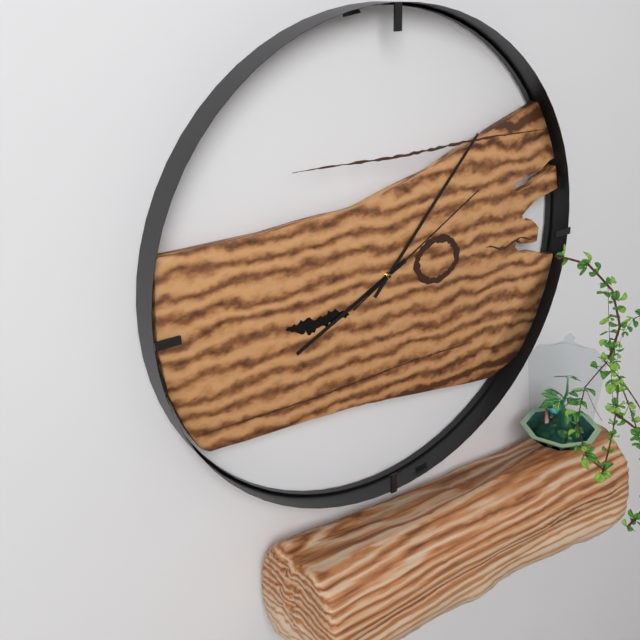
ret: 8:07:10
